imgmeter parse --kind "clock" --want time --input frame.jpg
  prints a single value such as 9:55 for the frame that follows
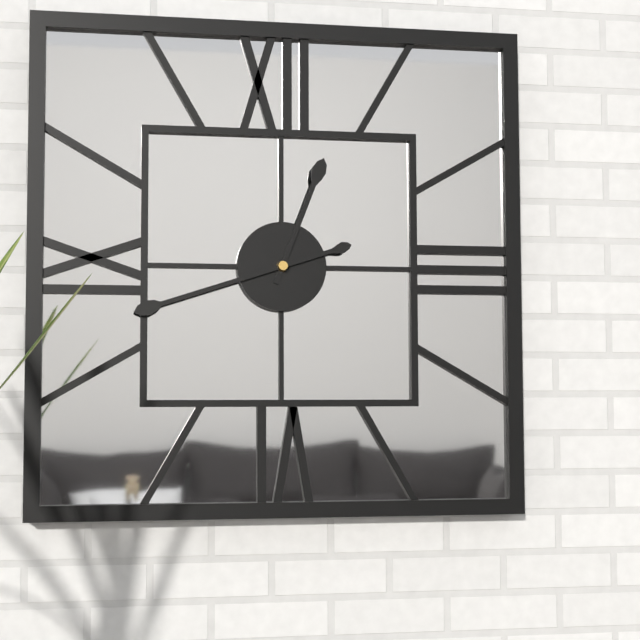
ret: 12:42
